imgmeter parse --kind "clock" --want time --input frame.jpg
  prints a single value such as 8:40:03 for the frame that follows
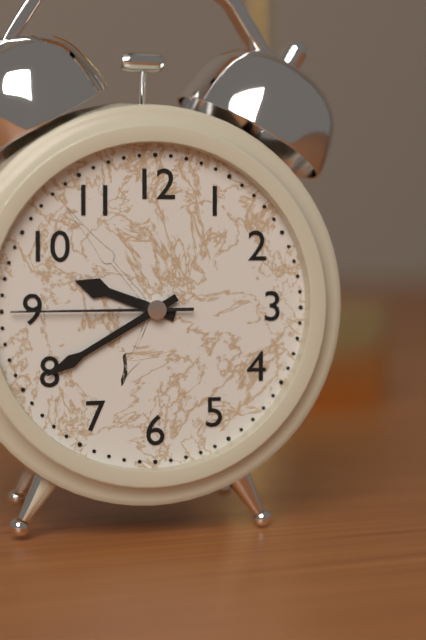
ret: 9:40:45
